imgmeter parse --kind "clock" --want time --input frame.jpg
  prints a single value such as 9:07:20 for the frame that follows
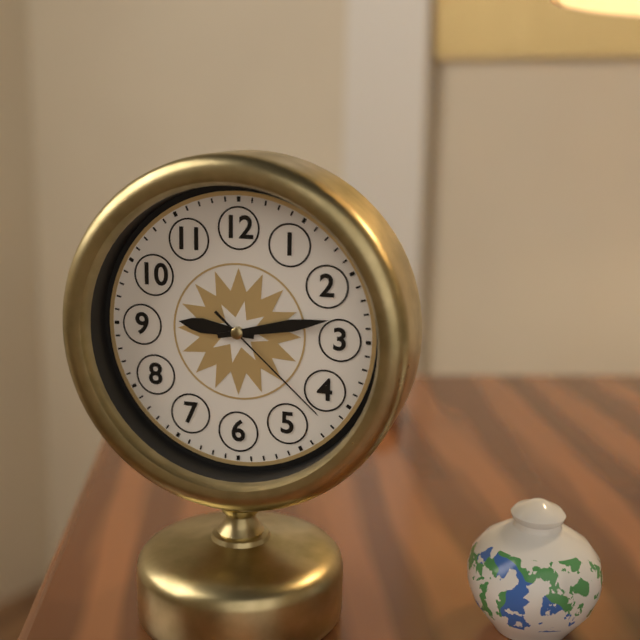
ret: 9:13:22
